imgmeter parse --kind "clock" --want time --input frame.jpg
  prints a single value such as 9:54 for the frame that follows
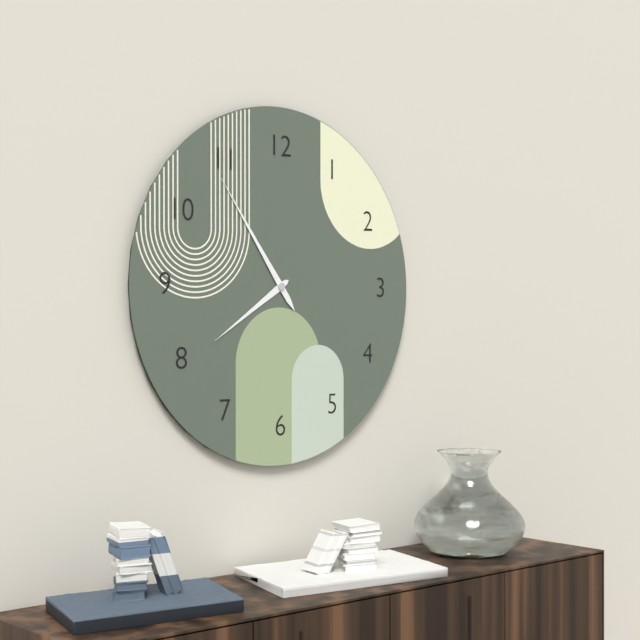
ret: 7:54
